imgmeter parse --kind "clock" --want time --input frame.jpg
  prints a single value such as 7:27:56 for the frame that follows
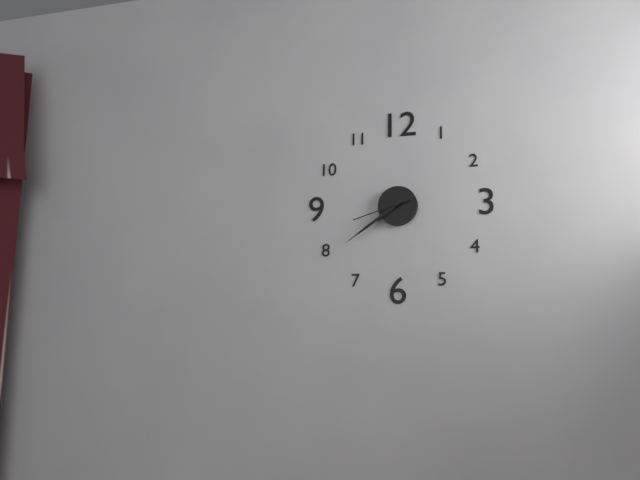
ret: 7:39:42
